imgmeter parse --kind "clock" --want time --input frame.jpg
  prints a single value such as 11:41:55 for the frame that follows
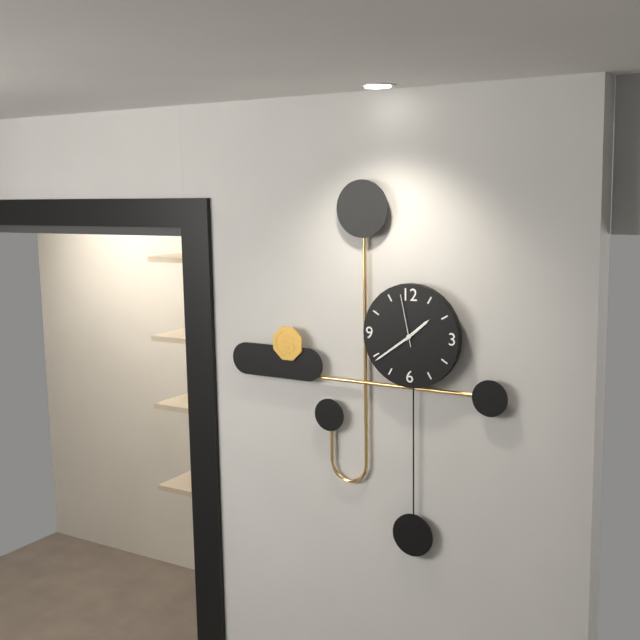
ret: 1:39:58
